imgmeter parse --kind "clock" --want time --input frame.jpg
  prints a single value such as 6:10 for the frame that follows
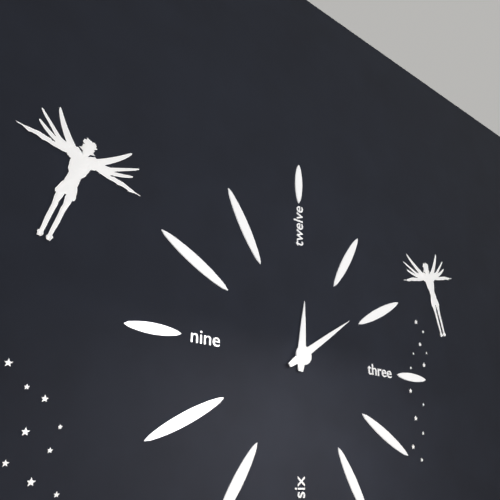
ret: 12:09
